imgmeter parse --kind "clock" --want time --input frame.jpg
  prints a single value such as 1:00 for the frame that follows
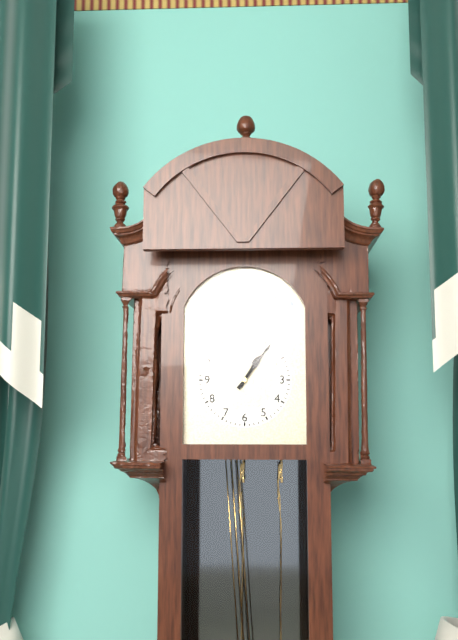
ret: 1:06
